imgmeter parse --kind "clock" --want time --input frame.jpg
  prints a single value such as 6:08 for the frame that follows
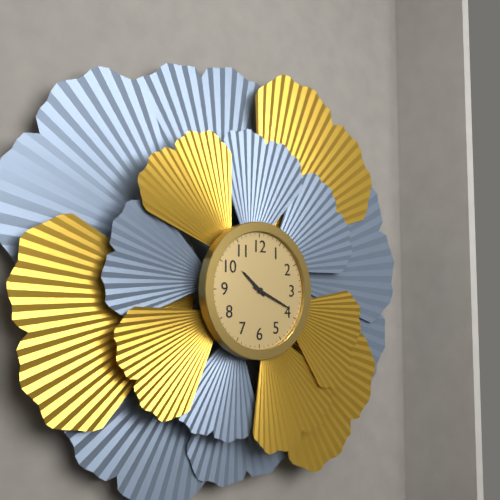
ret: 10:19
